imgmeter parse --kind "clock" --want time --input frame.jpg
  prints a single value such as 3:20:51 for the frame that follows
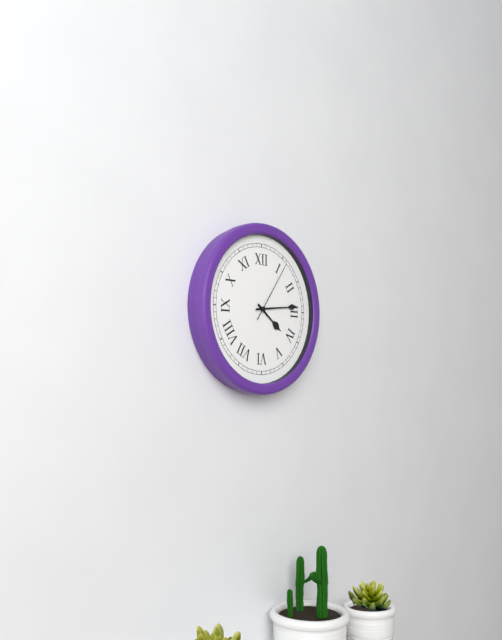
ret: 4:14:06
